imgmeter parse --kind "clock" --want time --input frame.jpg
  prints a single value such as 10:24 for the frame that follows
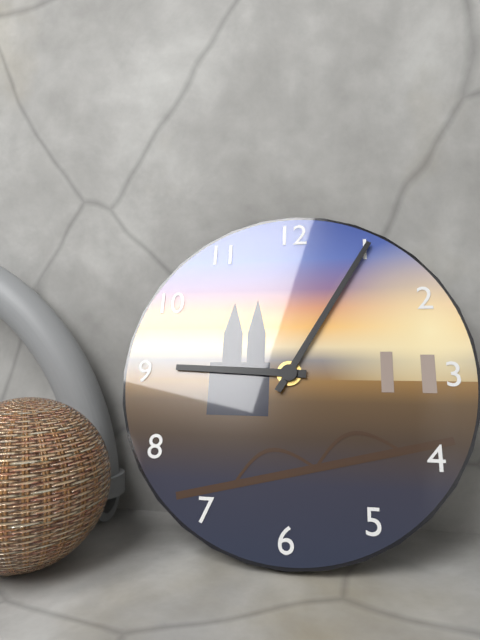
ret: 9:05
